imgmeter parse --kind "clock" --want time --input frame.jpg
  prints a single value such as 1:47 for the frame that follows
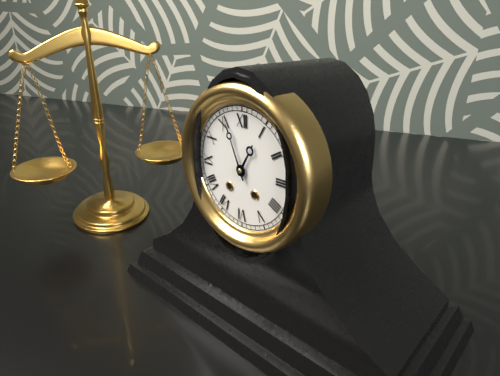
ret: 12:56
